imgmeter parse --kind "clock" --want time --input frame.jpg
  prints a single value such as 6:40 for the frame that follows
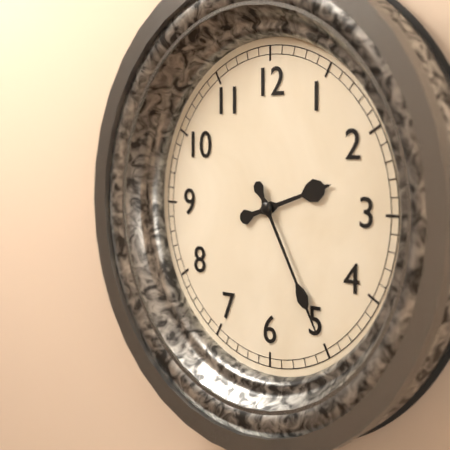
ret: 2:25
